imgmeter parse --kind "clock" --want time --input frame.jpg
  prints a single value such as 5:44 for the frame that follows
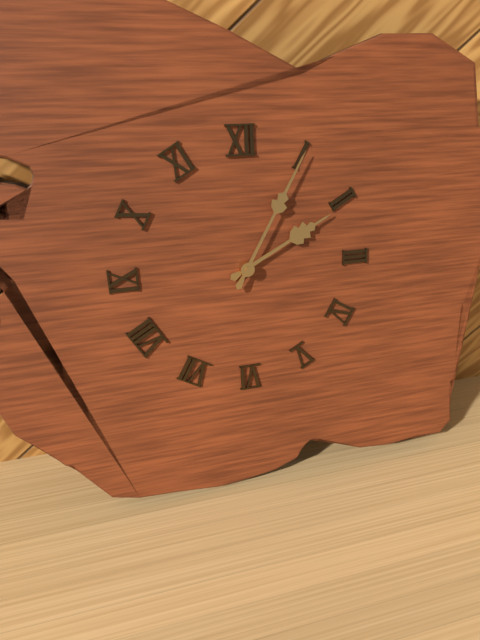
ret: 2:05
